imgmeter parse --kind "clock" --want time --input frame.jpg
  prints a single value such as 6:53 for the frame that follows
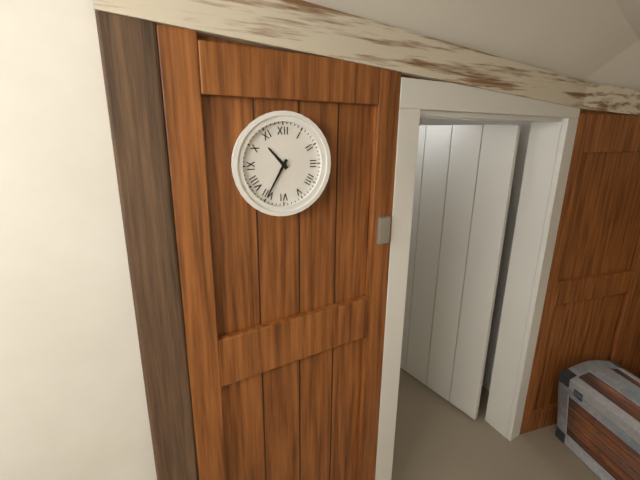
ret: 10:35
